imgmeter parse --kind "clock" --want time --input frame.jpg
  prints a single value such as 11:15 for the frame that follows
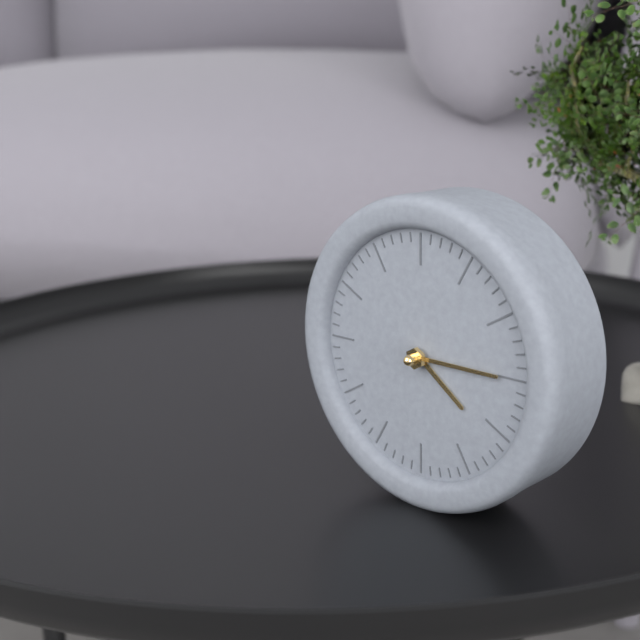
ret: 4:15
